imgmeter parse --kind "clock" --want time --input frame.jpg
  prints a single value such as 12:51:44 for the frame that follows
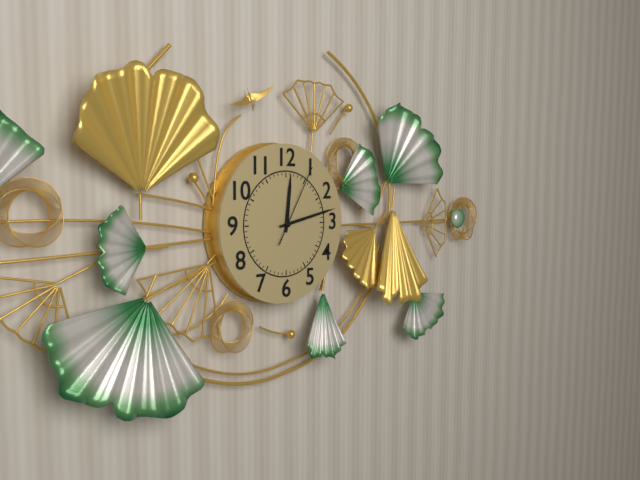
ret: 12:13:05
